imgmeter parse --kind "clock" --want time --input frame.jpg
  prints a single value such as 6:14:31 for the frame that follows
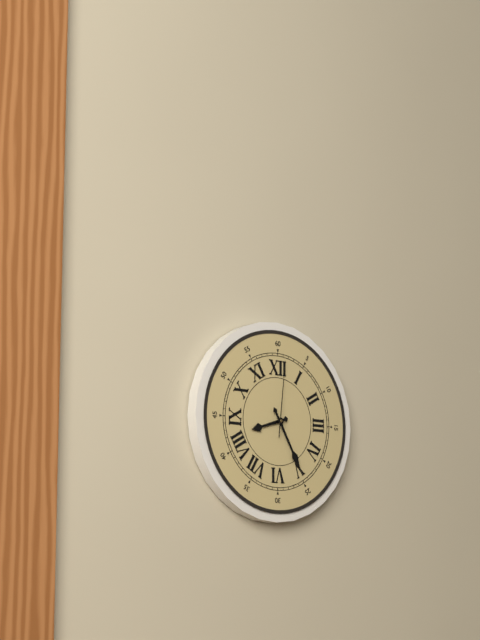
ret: 8:25:01
